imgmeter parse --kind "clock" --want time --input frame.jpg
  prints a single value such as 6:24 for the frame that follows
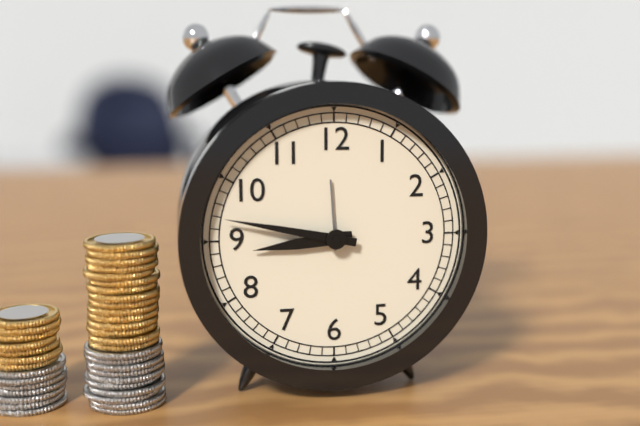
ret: 8:47
